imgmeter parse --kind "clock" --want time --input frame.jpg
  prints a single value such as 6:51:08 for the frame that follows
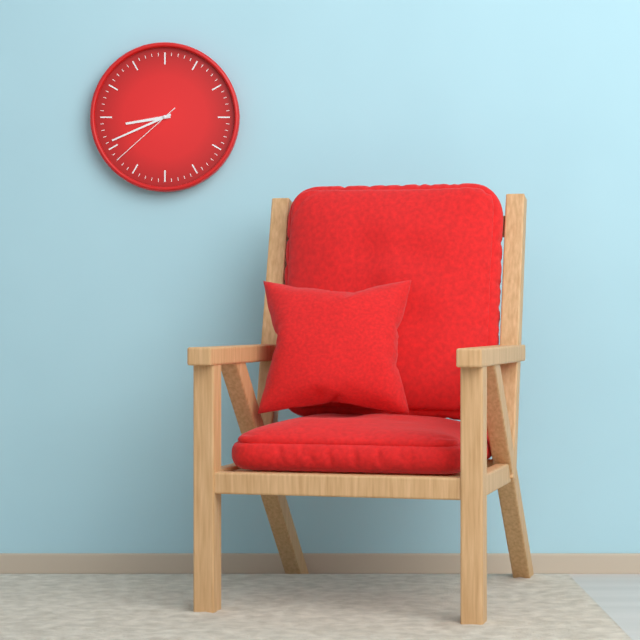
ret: 8:41:38
